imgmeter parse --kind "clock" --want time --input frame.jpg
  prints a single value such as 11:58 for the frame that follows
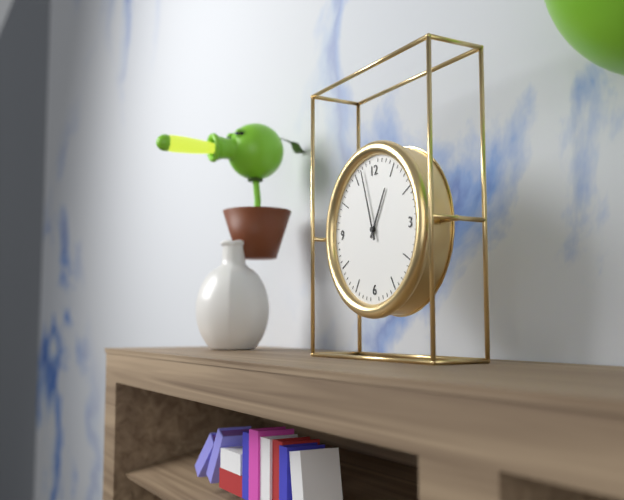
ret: 12:57
